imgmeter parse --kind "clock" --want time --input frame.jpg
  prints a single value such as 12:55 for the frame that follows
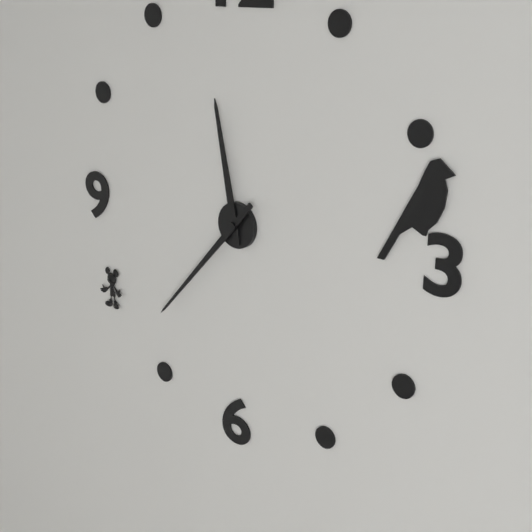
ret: 11:37
